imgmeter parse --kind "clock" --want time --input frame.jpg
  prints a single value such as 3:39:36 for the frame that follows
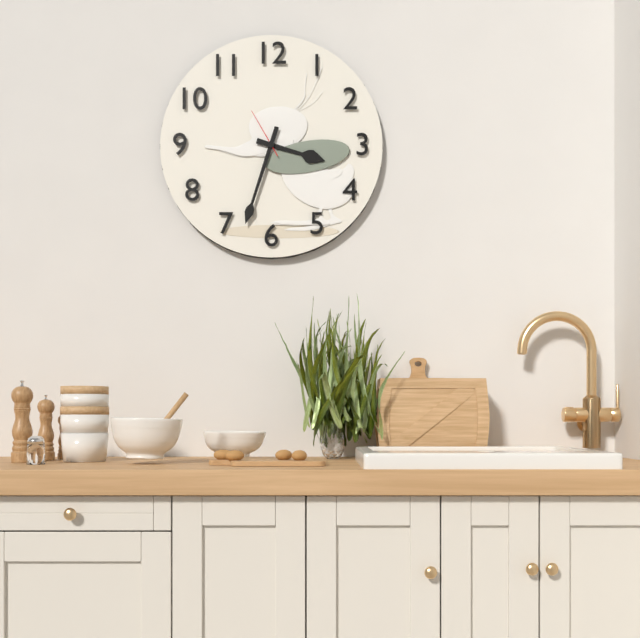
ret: 3:33:55
